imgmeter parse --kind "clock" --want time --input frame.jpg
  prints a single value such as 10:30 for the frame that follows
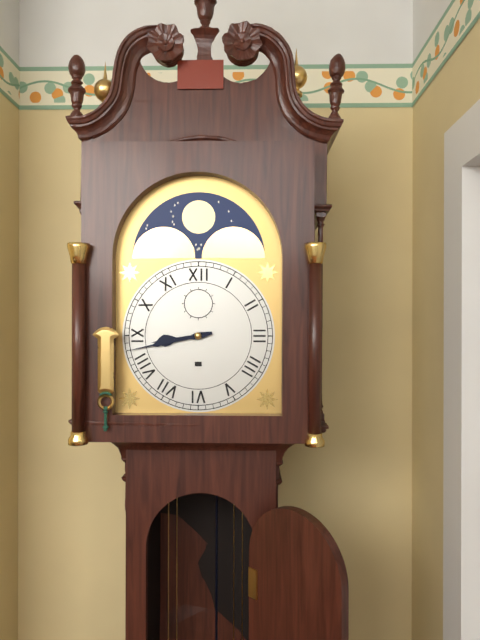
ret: 8:43
